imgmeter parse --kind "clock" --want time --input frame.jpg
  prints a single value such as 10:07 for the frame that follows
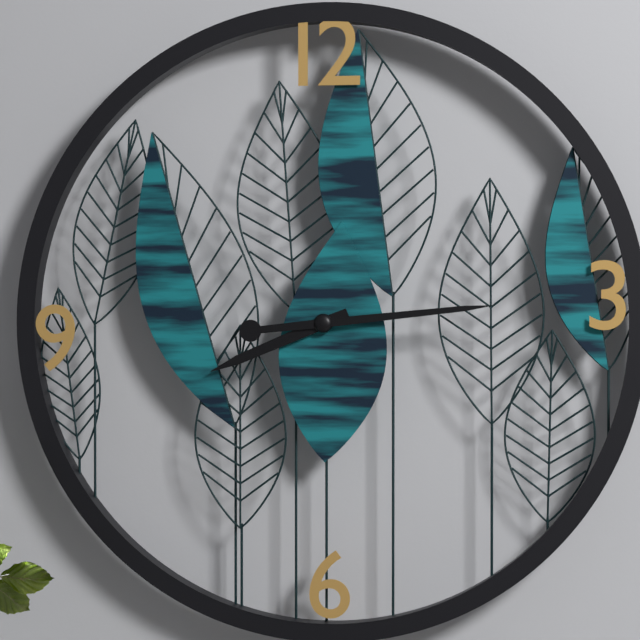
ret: 8:14
